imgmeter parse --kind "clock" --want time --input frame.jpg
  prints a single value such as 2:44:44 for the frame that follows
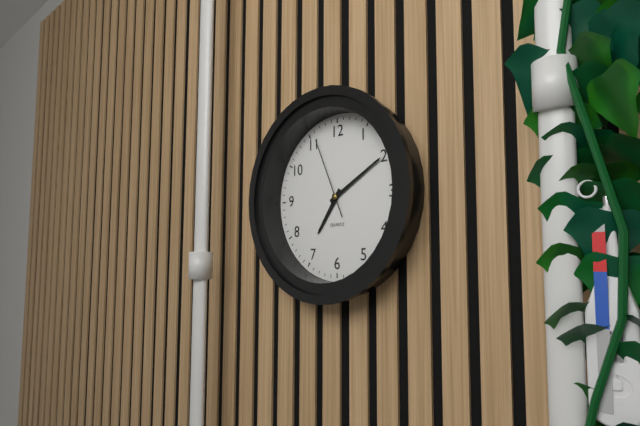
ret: 7:10:56
